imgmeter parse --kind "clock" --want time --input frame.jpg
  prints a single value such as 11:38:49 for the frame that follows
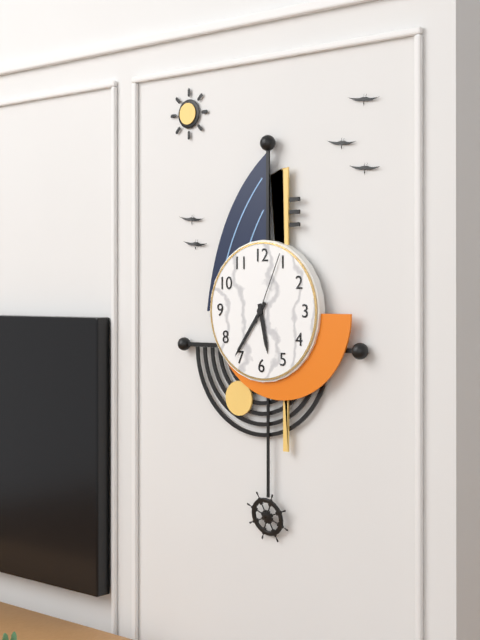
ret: 5:36:04
